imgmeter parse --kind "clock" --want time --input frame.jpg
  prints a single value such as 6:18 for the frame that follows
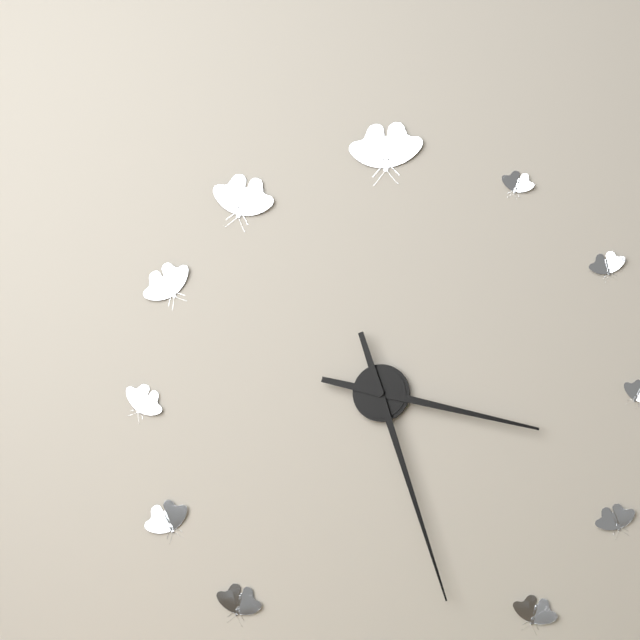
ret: 3:27
